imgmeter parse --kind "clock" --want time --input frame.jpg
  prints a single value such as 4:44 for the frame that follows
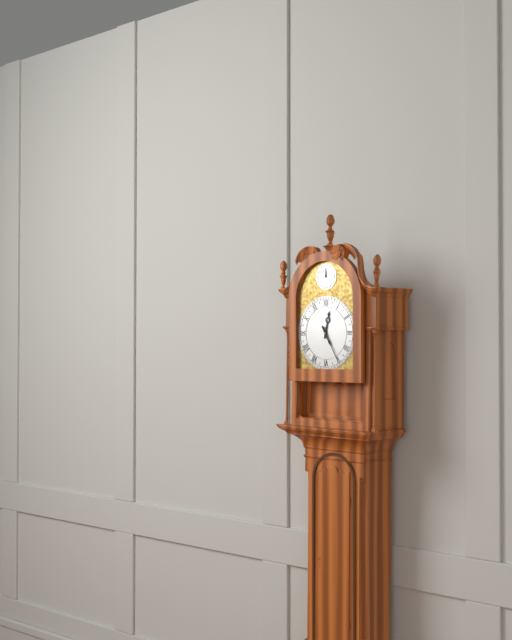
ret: 12:25
